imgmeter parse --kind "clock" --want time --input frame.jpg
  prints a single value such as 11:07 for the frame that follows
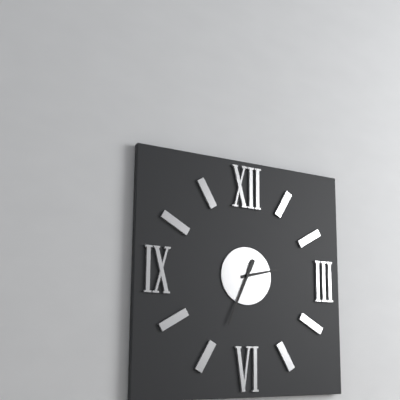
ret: 2:34
